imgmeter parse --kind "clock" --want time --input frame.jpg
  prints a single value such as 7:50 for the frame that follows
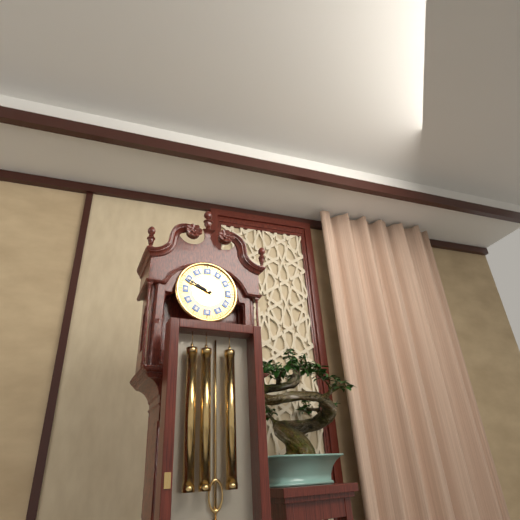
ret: 9:49
